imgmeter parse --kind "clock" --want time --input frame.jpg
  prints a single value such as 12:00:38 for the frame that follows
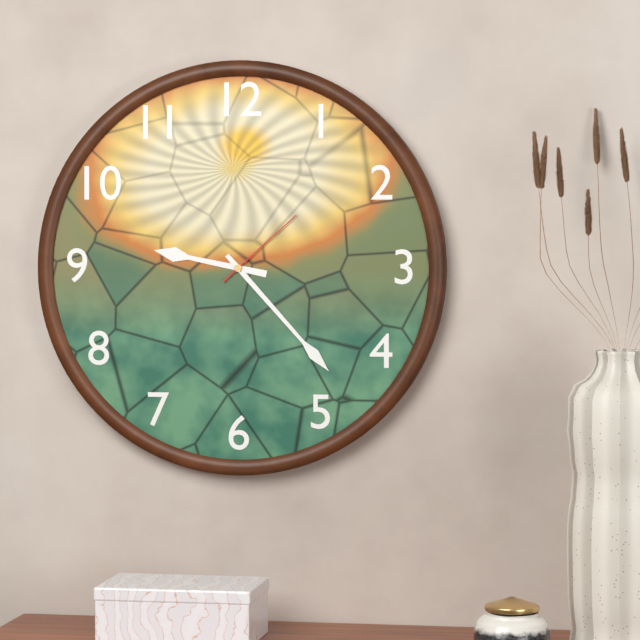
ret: 9:23:08
